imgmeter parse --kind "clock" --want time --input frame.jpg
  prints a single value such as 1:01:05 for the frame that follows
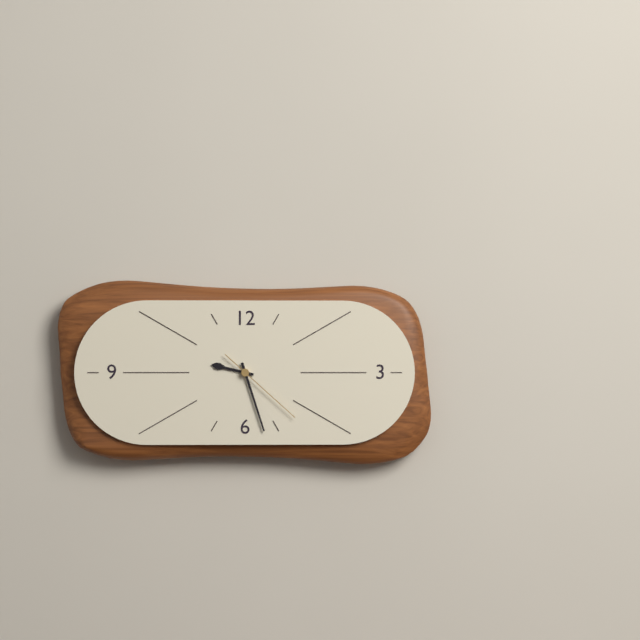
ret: 9:27:22
